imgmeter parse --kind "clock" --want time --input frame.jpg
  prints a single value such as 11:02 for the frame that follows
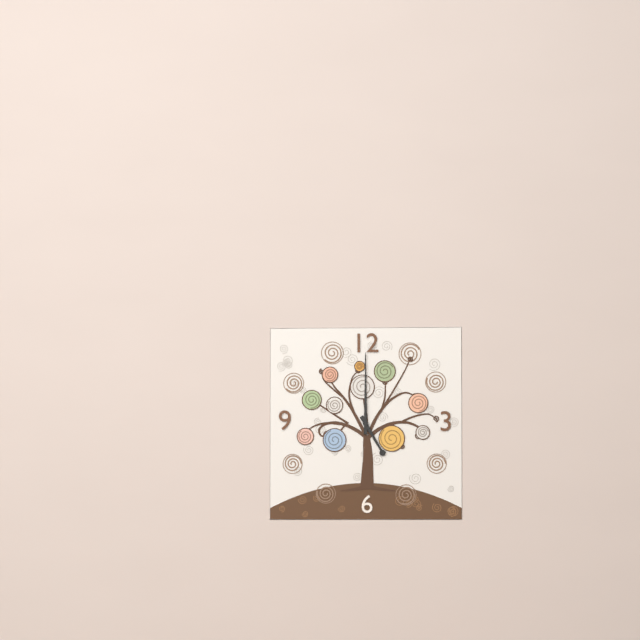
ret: 5:00
